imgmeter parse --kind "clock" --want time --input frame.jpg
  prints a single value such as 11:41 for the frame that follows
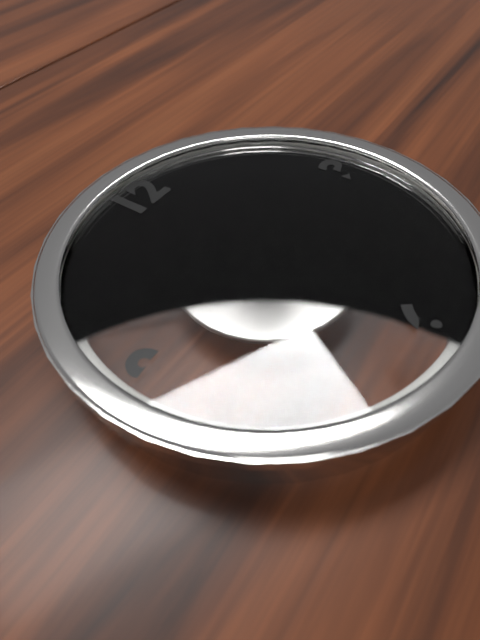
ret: 1:52
